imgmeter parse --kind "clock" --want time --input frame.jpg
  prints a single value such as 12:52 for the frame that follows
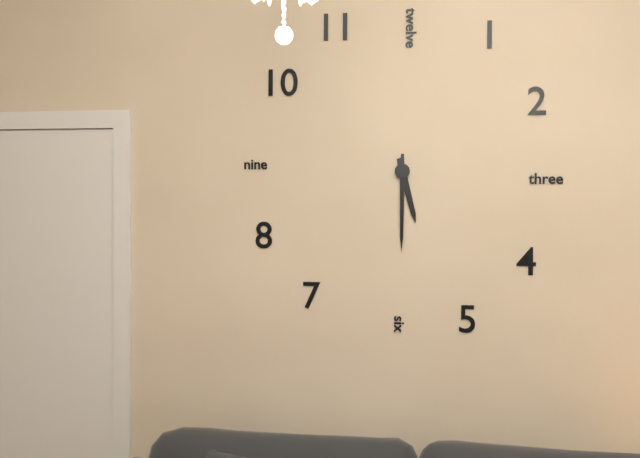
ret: 5:30
